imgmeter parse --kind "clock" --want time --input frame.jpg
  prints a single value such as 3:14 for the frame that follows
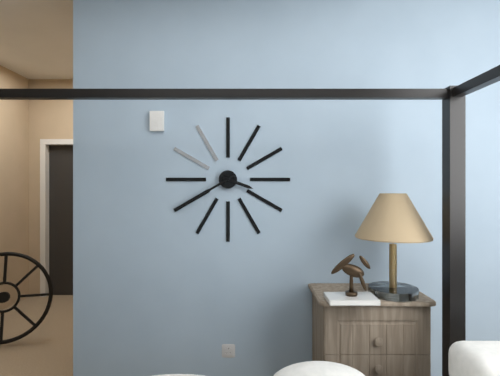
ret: 3:40
